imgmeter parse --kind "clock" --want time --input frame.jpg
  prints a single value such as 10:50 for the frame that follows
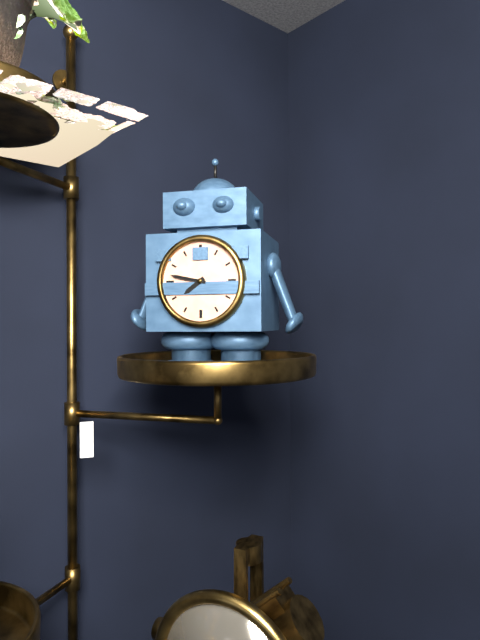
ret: 7:47
